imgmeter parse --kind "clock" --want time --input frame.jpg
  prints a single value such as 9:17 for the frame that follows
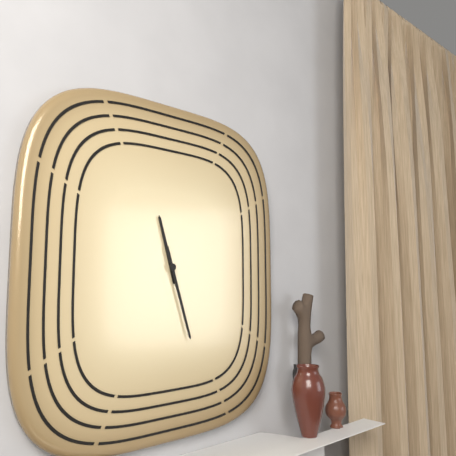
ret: 11:27
